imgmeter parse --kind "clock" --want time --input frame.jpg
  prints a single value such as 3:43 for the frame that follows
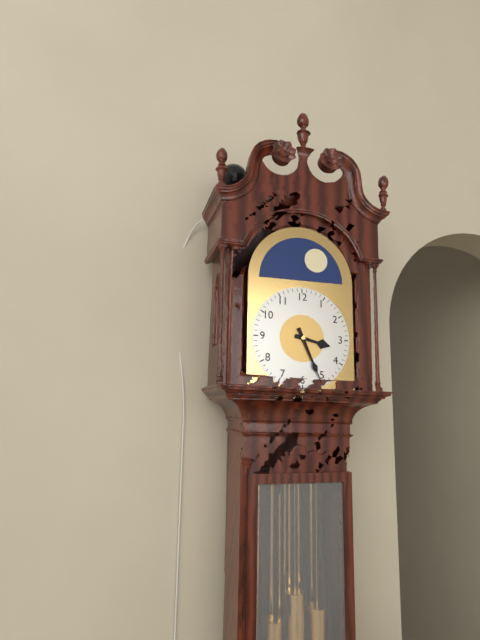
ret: 3:26
